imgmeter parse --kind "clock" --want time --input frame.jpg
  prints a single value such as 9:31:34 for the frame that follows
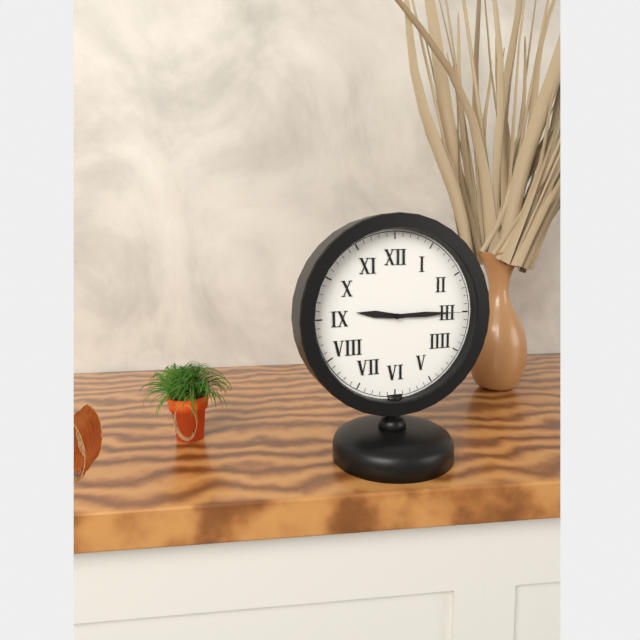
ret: 9:15:15
